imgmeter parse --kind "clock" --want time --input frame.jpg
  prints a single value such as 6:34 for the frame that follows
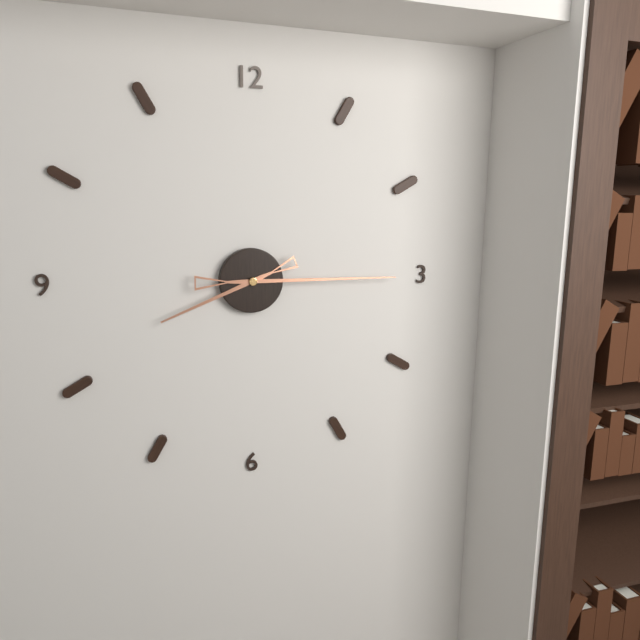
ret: 8:15
